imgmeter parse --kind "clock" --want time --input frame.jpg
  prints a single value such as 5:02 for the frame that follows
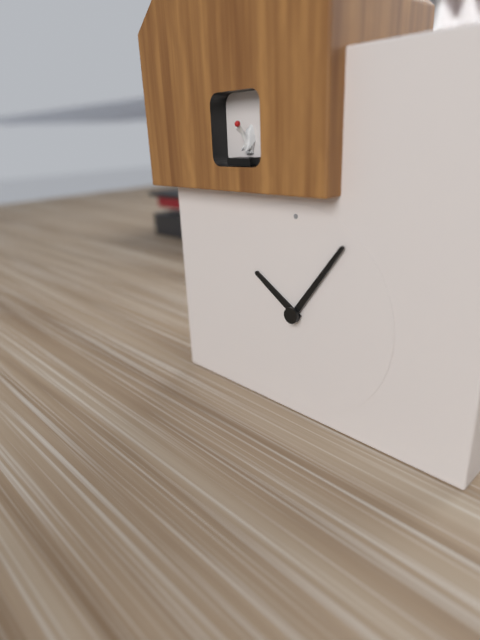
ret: 10:06
